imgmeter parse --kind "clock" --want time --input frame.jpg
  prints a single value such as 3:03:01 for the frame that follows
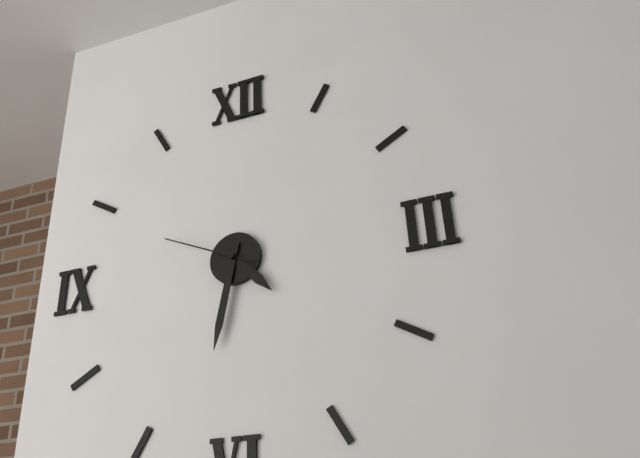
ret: 4:32:49
